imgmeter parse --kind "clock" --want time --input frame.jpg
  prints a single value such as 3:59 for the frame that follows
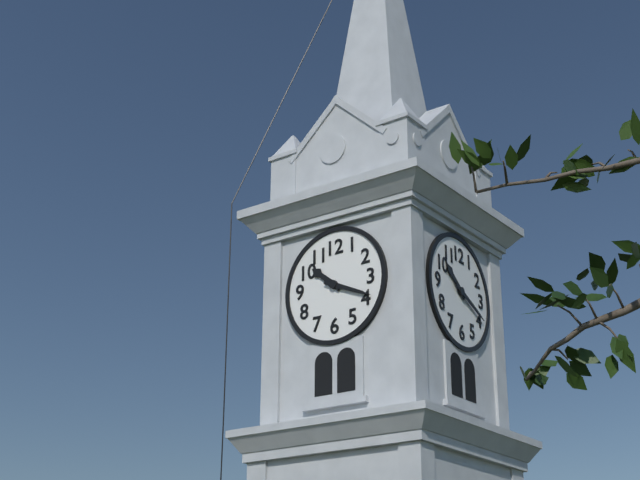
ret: 10:19
